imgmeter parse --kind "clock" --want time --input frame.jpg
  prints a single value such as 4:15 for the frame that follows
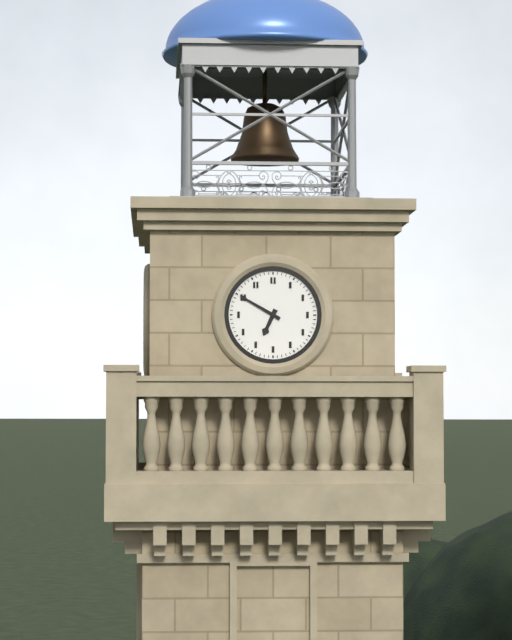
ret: 6:50
